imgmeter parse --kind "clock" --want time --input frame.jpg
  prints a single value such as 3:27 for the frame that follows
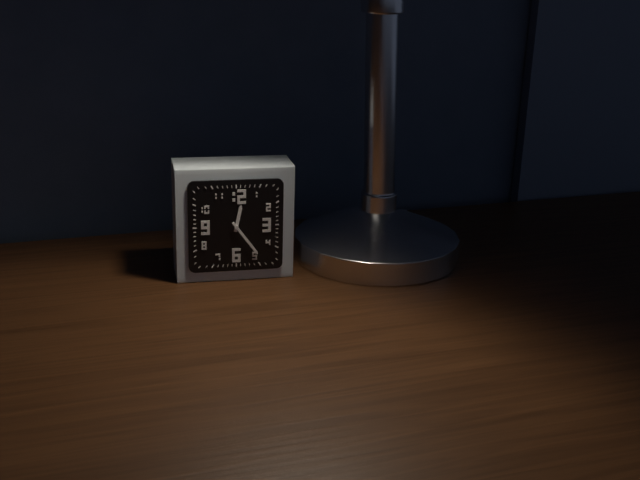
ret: 12:24
